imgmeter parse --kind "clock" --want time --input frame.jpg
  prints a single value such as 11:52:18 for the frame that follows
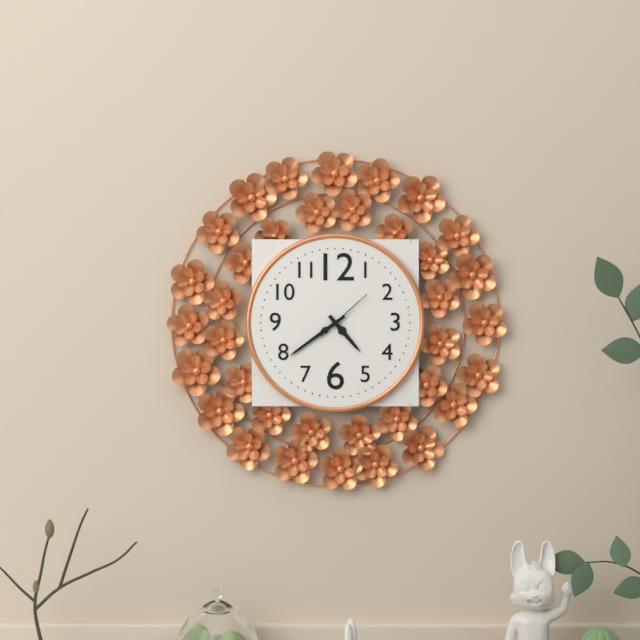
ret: 4:39:08
